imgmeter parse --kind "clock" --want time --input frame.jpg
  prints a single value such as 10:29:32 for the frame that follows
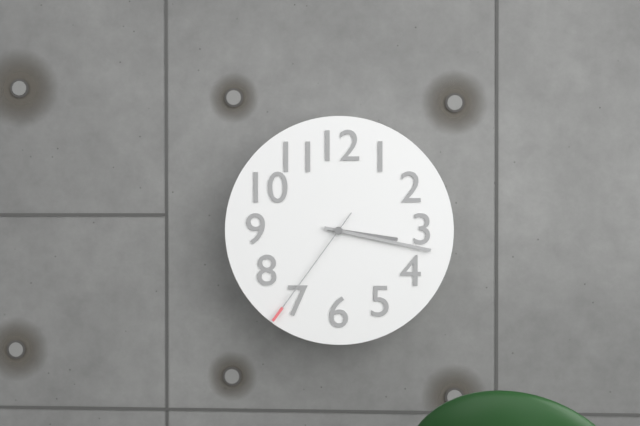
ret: 3:17:36
